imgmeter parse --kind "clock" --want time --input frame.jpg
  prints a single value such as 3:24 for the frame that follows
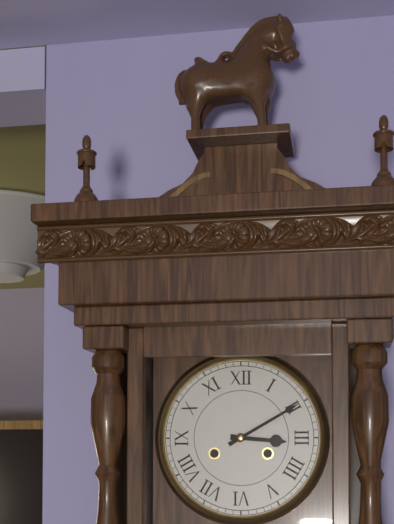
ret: 3:10
